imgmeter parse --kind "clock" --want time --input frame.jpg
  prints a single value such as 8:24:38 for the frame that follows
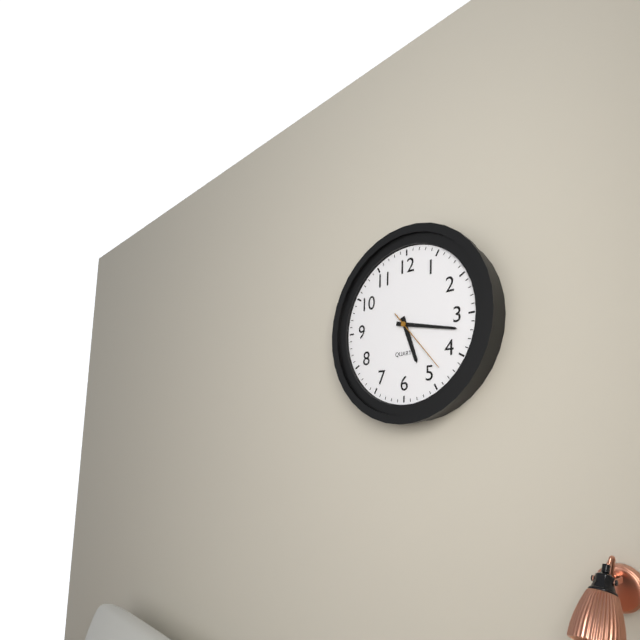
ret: 5:17:23
